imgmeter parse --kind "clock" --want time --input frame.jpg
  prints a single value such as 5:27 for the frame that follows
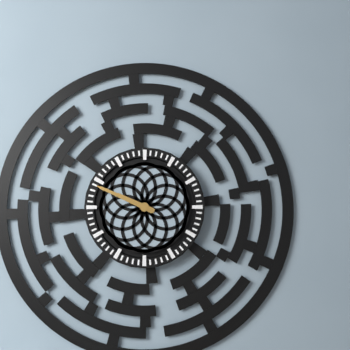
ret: 9:49
